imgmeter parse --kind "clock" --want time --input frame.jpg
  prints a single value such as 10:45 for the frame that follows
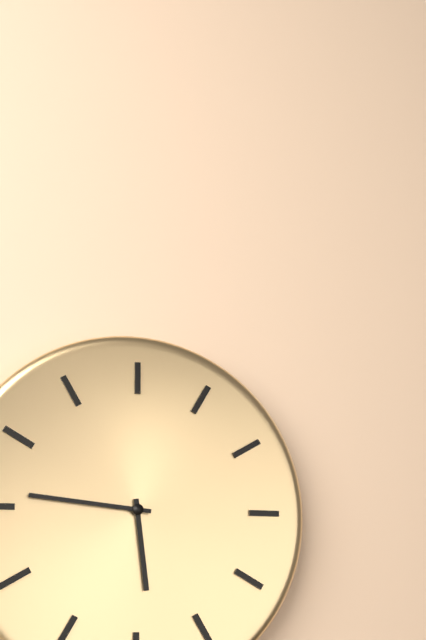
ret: 5:46
